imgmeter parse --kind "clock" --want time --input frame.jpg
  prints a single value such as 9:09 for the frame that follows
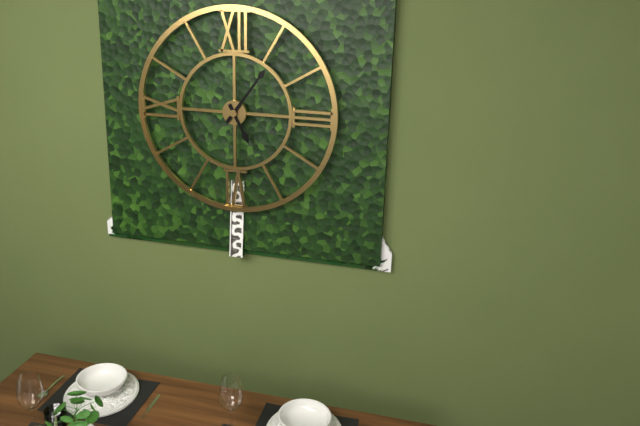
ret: 5:06
